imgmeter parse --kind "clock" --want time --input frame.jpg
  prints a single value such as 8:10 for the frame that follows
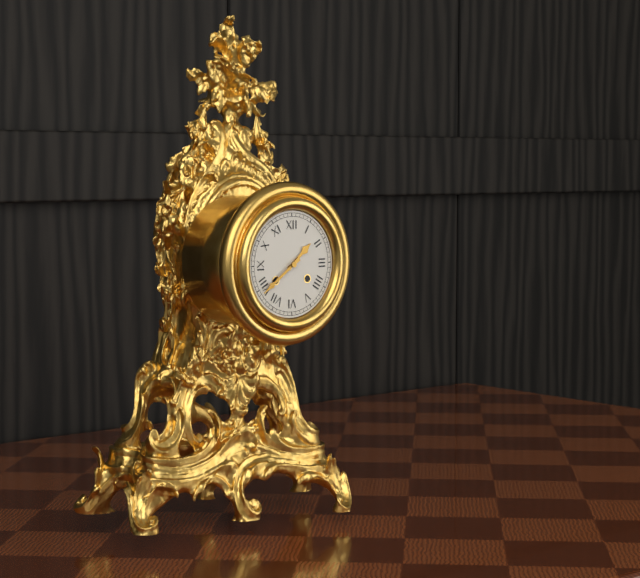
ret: 1:39
